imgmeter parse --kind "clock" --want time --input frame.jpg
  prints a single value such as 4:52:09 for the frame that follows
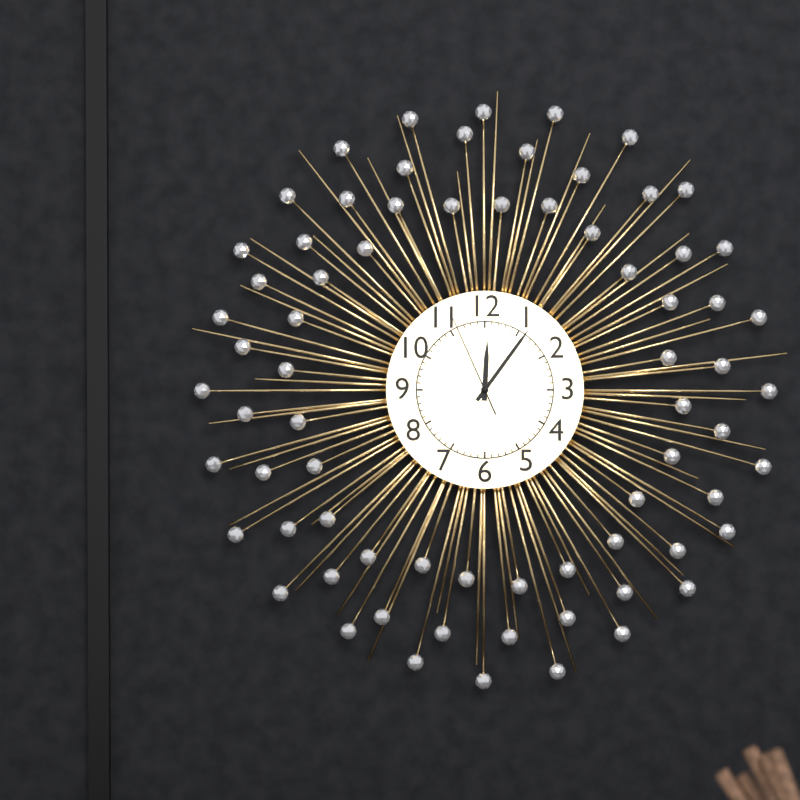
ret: 12:06:56
